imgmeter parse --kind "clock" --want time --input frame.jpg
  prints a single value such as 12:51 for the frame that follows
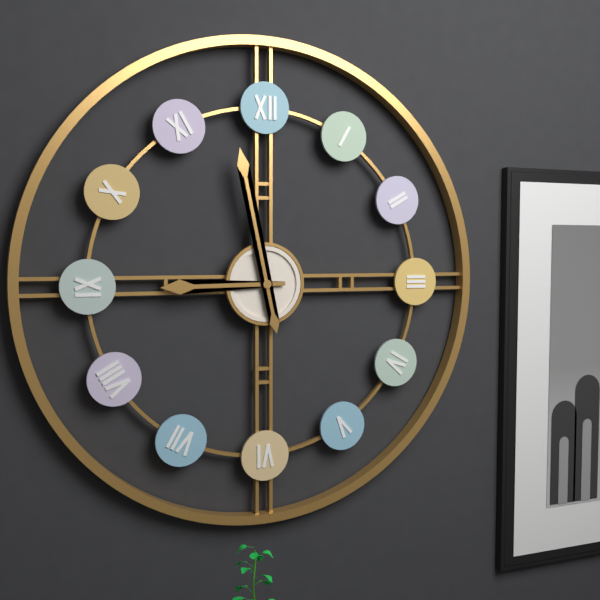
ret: 8:58
